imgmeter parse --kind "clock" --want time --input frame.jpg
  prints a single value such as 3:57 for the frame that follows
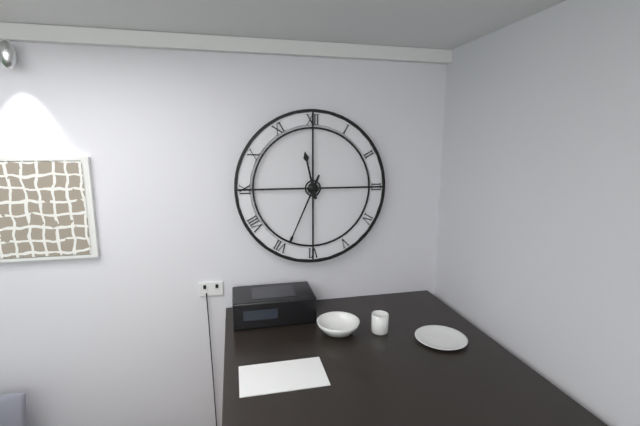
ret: 11:34
